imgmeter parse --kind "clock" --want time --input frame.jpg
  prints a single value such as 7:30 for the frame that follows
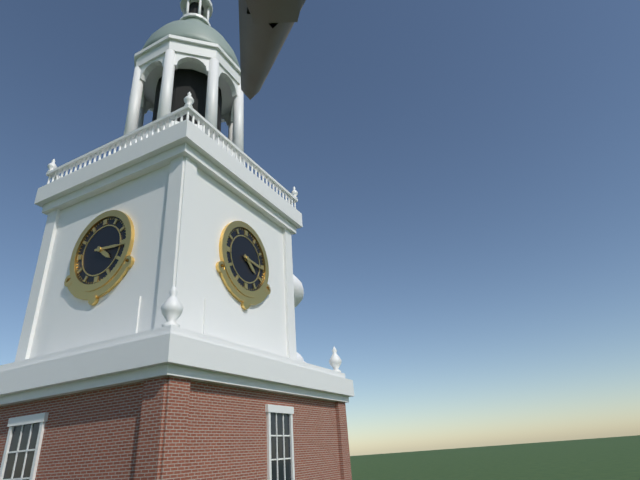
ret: 4:16
